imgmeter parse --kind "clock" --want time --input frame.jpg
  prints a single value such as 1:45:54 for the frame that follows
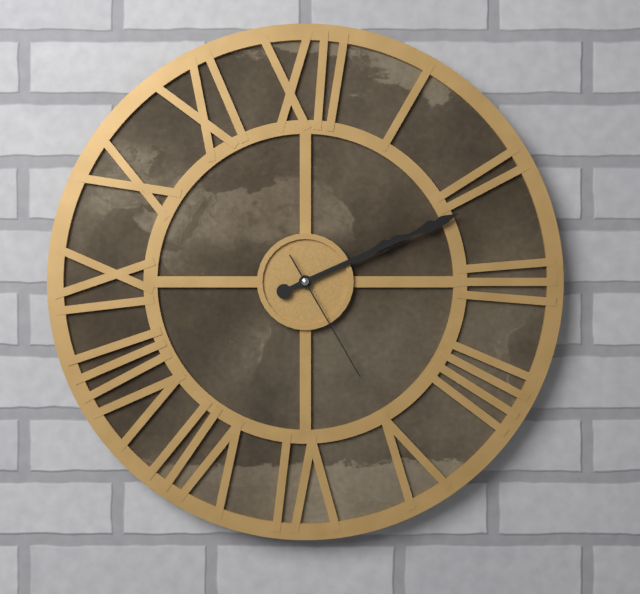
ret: 2:11:25
